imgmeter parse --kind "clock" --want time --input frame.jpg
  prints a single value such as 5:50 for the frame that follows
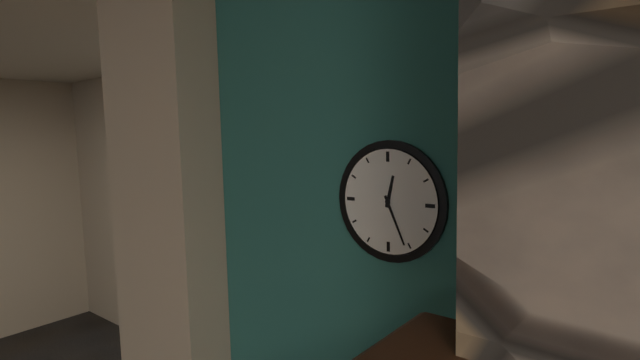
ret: 12:26
